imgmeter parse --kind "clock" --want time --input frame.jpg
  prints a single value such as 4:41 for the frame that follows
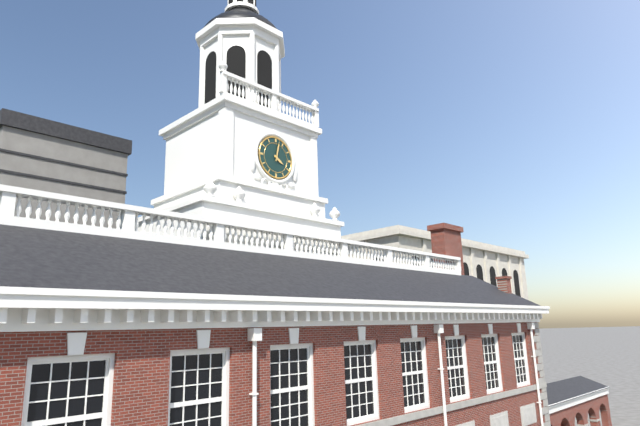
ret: 4:02
